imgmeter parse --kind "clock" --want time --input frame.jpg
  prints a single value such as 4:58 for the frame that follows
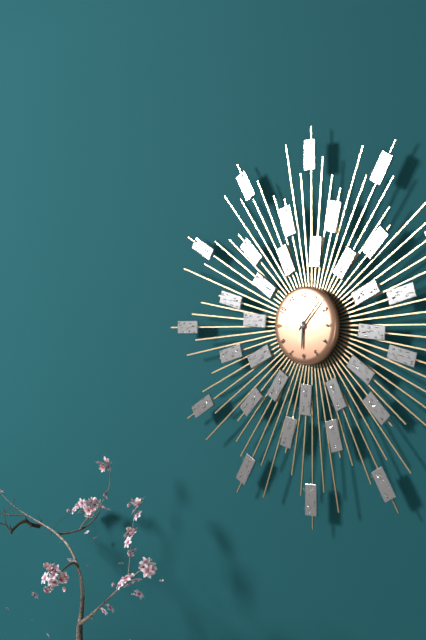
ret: 6:07
